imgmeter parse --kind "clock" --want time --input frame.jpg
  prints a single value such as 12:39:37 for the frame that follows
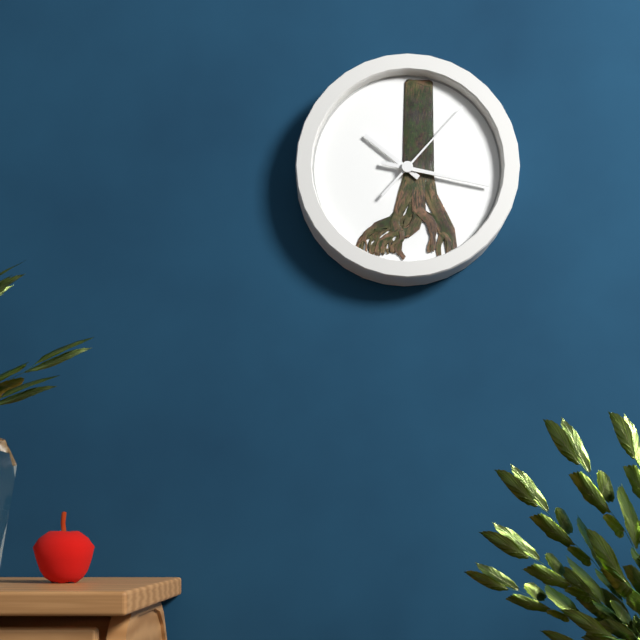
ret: 10:17:07
